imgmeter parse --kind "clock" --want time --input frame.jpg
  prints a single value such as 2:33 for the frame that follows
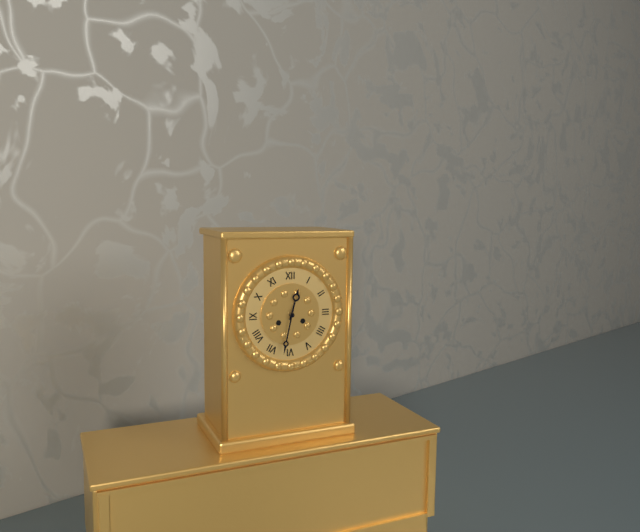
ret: 12:32
